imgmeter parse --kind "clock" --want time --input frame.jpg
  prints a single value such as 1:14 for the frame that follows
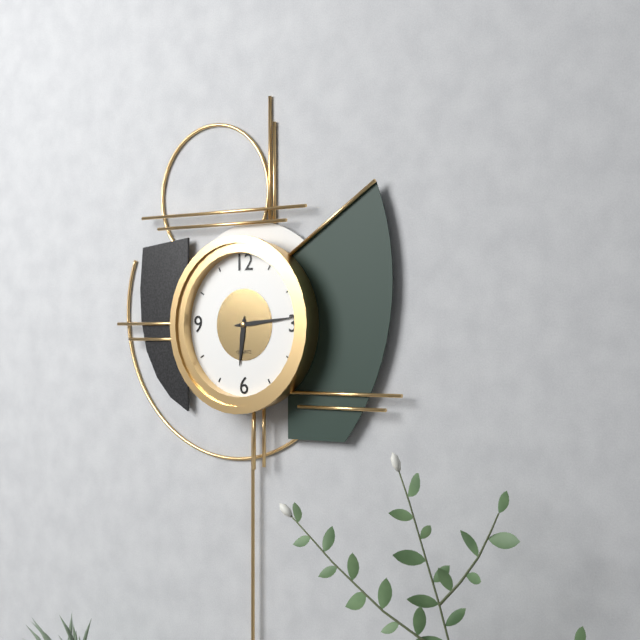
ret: 6:14
